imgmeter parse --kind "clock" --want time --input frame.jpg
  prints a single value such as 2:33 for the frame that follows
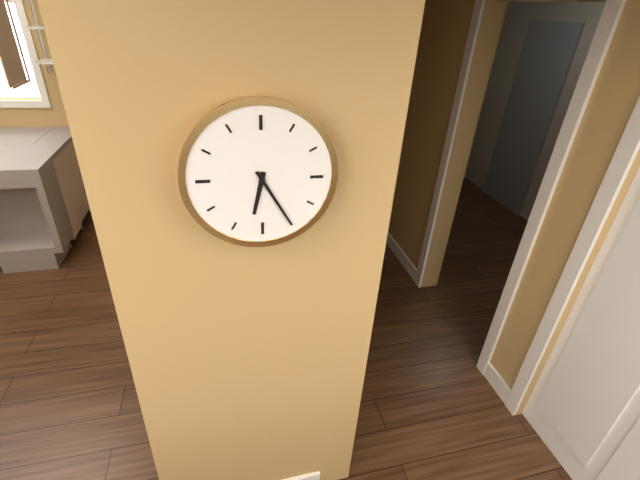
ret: 6:25
